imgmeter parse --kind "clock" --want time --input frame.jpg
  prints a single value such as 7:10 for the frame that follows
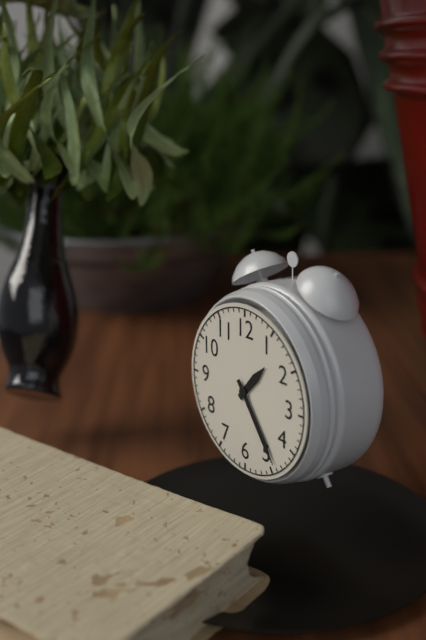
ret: 1:24
